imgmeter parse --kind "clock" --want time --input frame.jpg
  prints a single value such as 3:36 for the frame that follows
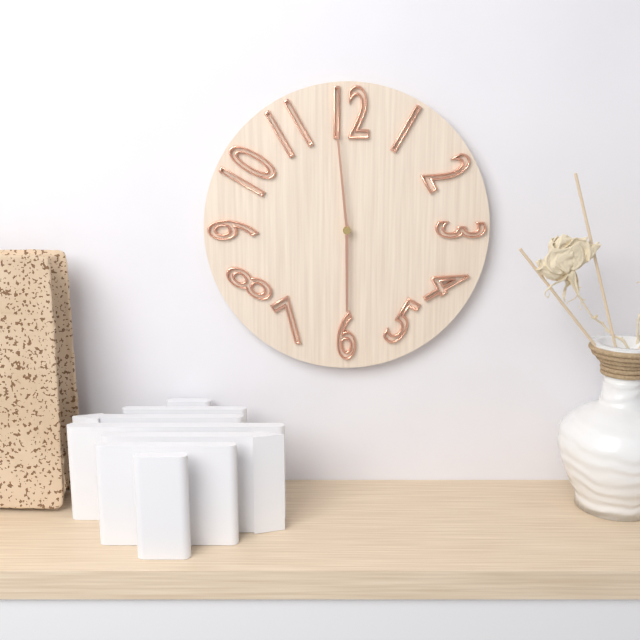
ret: 5:59
